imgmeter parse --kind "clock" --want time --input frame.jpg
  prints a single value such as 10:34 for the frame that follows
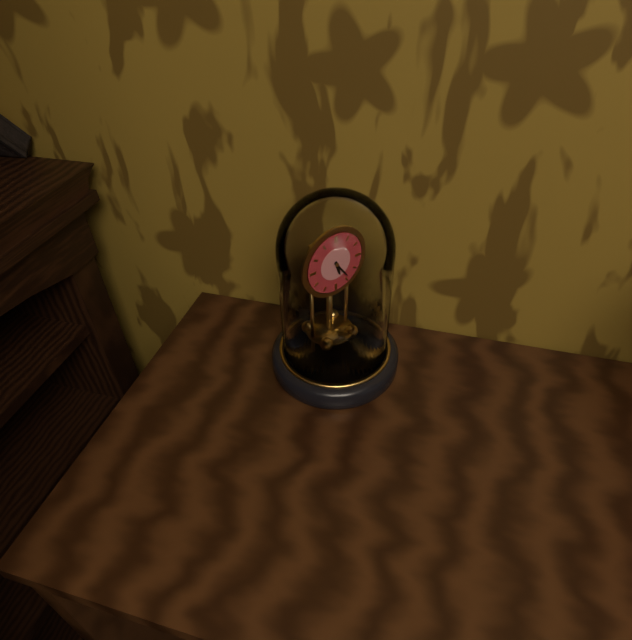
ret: 5:24
